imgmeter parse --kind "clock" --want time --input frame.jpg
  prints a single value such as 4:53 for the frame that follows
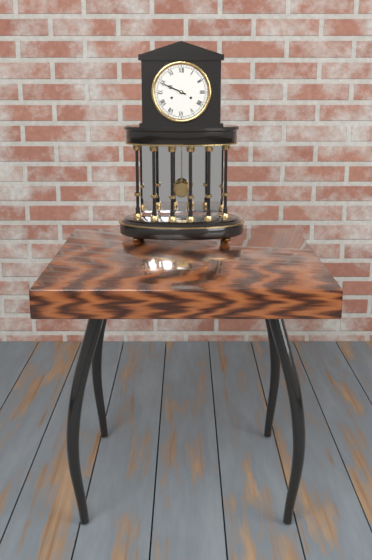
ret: 9:49
